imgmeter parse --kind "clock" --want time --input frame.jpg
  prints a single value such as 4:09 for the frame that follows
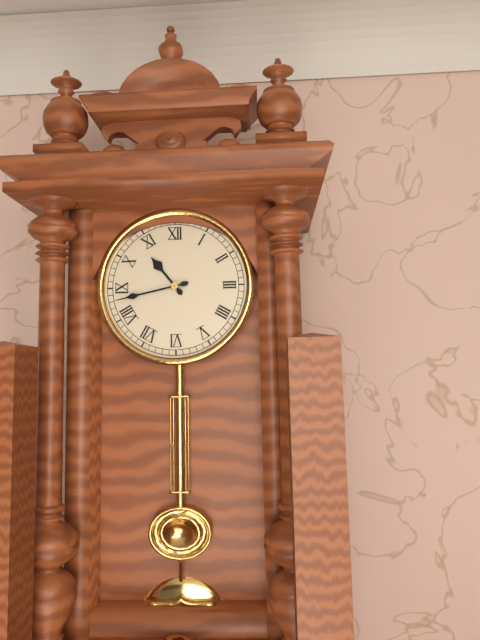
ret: 10:43
